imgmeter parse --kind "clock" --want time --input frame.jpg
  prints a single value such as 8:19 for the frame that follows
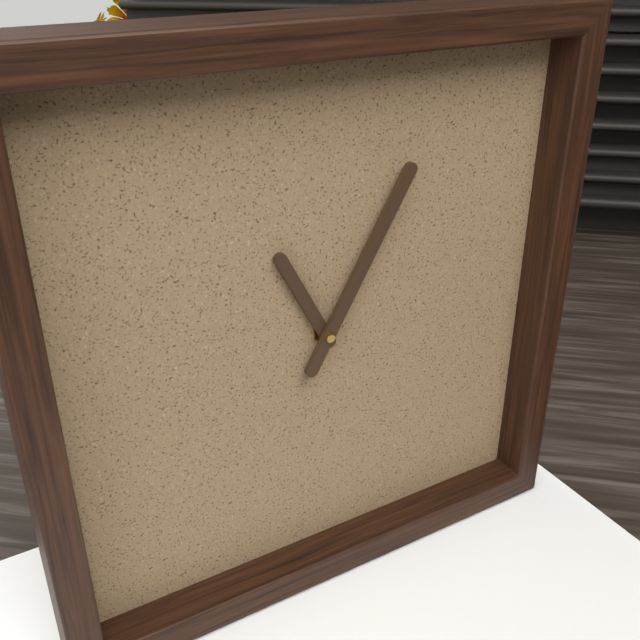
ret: 11:05
